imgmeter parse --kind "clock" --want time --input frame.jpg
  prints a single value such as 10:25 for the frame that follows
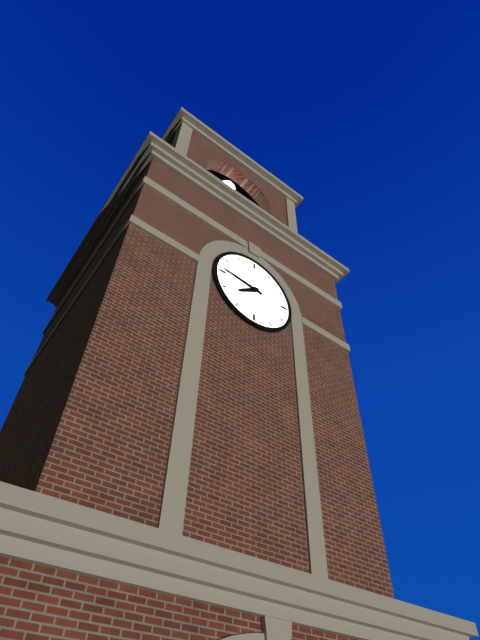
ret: 7:46
